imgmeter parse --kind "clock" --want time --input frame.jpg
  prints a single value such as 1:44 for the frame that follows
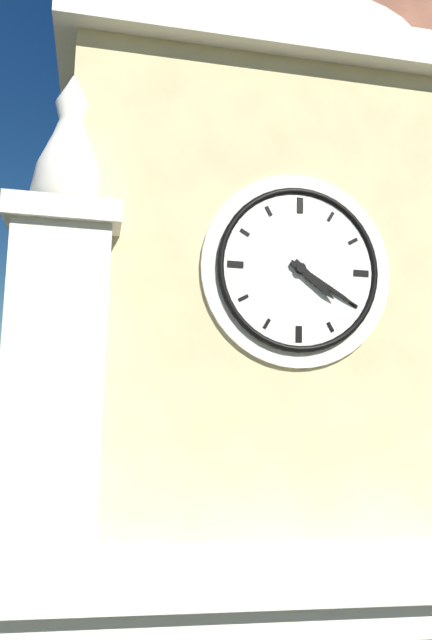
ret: 4:20
